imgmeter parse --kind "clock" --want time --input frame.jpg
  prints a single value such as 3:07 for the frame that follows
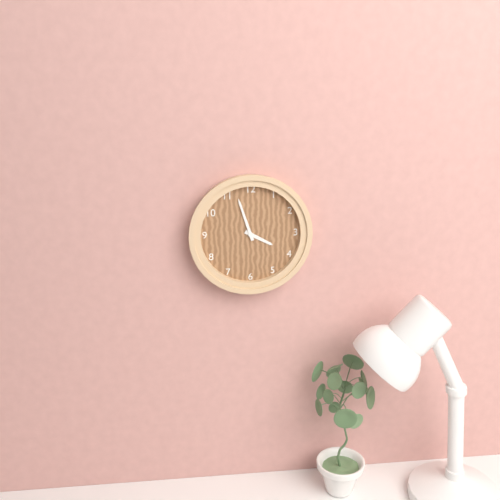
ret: 3:57
